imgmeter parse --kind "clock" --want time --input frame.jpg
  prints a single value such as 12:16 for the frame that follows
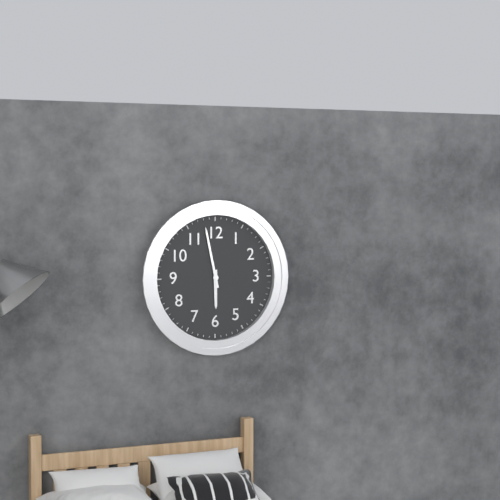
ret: 5:58
